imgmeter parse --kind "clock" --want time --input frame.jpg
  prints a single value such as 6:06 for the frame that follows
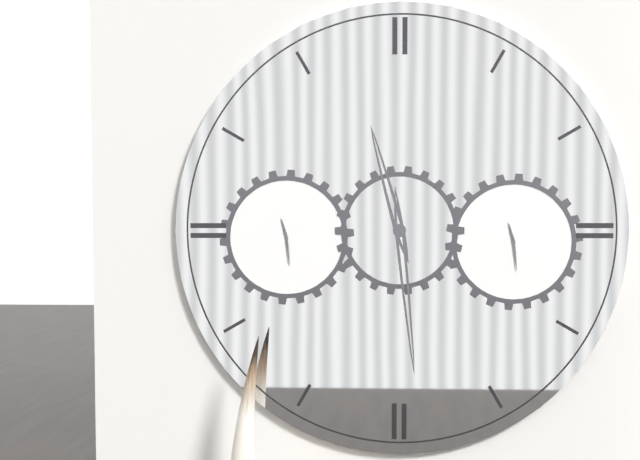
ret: 11:29
